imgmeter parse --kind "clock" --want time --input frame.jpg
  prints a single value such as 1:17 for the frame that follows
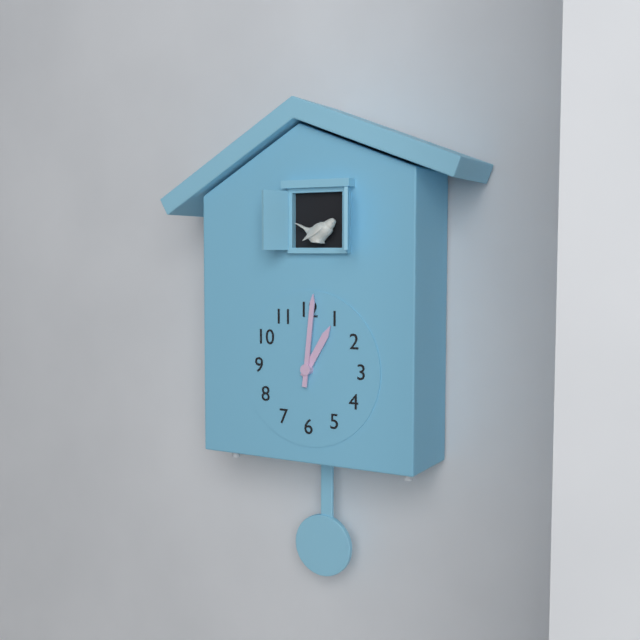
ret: 1:01
